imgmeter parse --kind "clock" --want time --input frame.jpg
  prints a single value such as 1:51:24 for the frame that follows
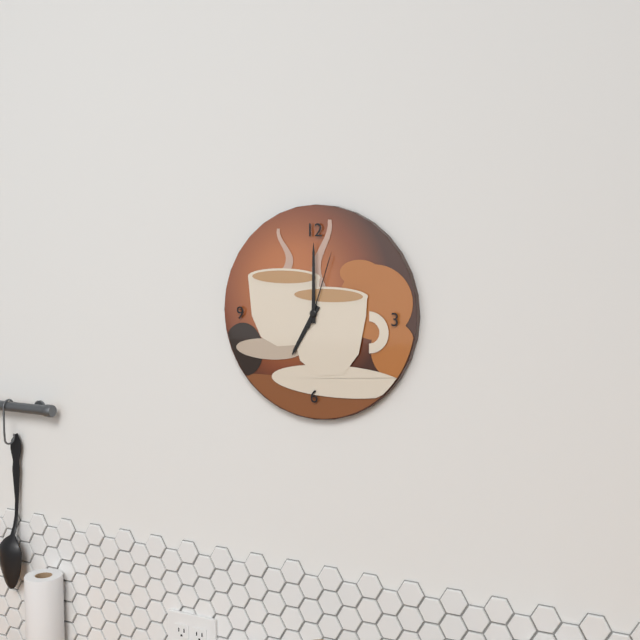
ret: 7:00:03
